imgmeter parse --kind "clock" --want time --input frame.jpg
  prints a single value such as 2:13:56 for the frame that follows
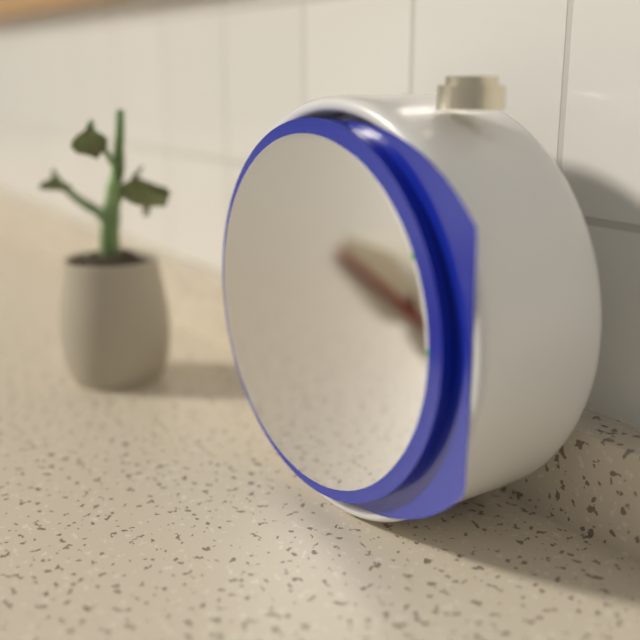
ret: 3:53:39
